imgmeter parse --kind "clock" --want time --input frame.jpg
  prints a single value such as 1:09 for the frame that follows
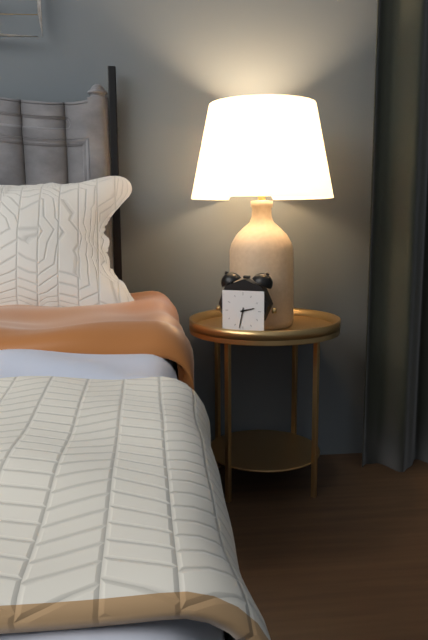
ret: 2:32
